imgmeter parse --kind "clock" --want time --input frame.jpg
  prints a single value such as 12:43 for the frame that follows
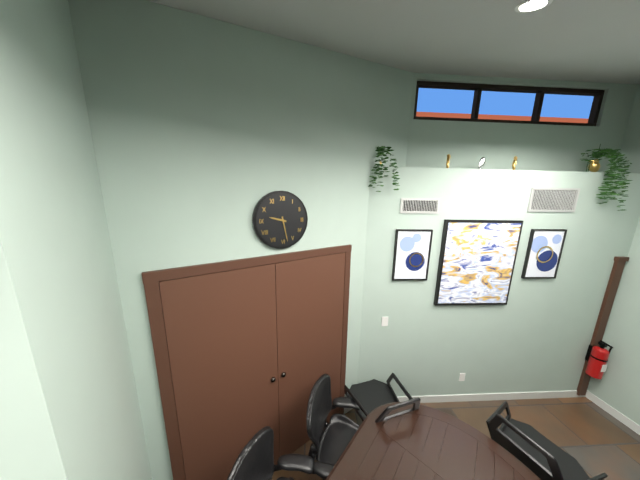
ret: 9:28
